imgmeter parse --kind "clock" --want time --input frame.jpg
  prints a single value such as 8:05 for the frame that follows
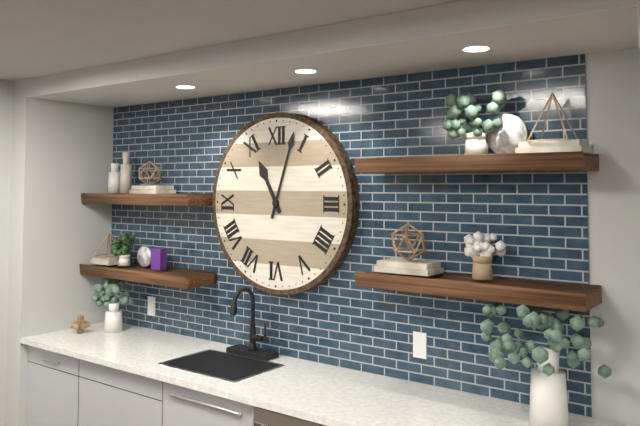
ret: 11:03
